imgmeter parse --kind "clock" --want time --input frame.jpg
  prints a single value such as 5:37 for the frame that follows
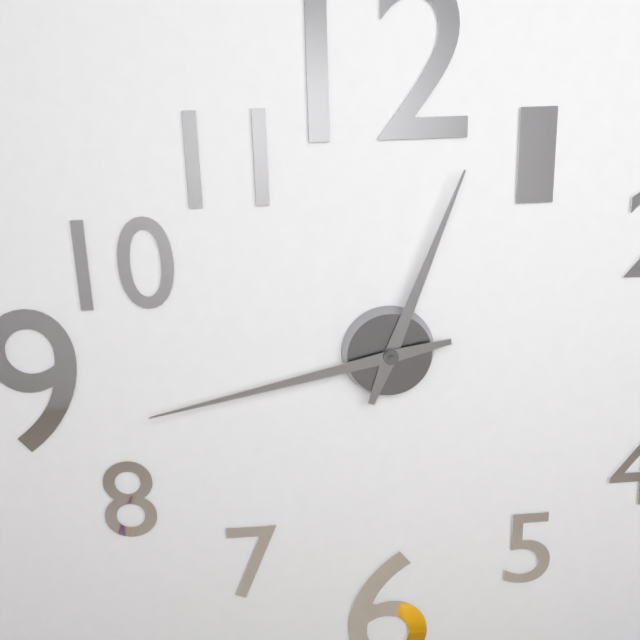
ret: 12:43
